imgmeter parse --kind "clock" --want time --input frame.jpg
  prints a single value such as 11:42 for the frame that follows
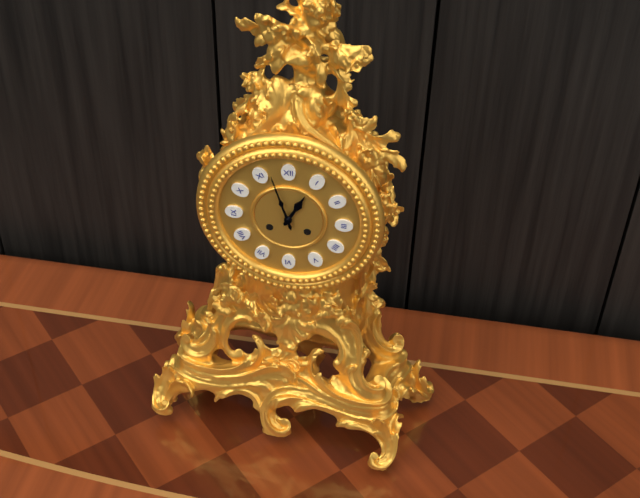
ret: 12:57
